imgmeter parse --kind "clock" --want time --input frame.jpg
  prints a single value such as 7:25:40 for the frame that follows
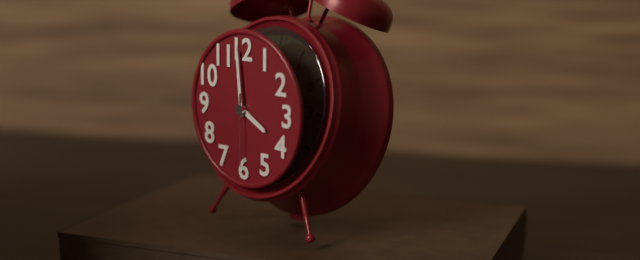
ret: 3:59:30
